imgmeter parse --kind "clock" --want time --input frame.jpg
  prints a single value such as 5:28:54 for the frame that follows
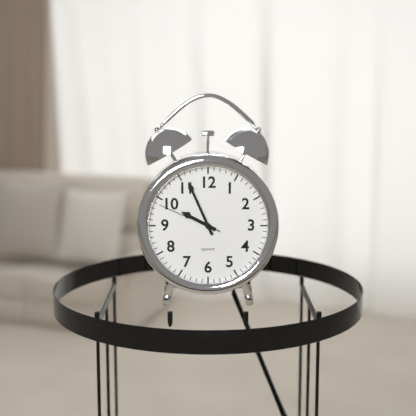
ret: 9:56:49
